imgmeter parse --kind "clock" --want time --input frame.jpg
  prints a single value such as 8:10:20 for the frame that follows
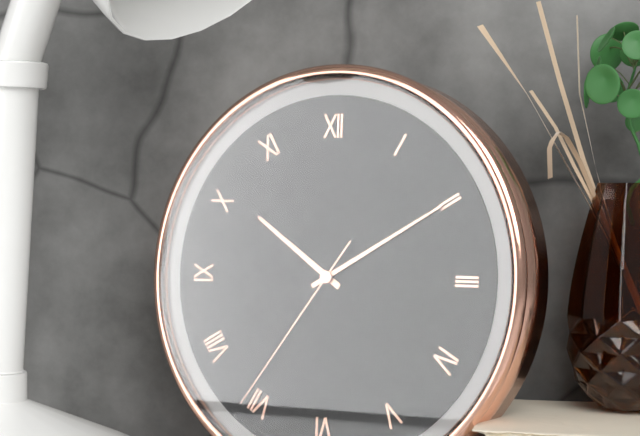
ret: 10:10:36
